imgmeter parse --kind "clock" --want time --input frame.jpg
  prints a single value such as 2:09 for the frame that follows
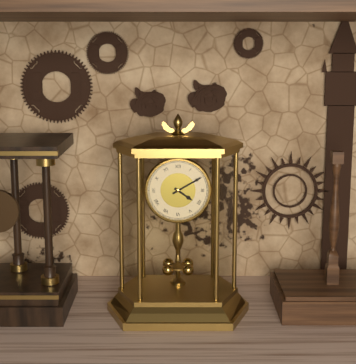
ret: 4:10
